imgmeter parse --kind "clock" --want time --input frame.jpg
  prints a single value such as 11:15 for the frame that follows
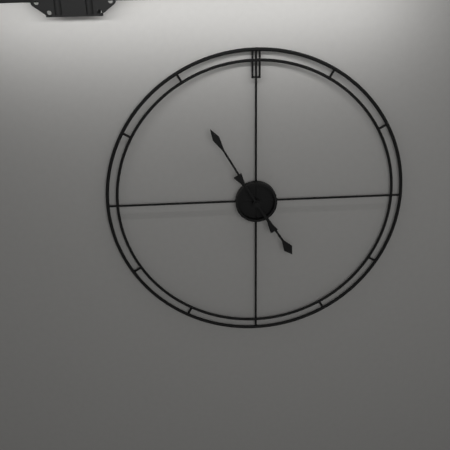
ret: 4:55
